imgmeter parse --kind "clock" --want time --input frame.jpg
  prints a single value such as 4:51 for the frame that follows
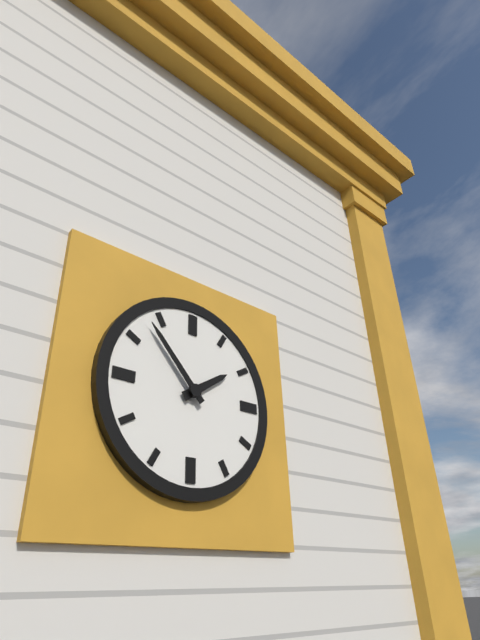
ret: 1:53
